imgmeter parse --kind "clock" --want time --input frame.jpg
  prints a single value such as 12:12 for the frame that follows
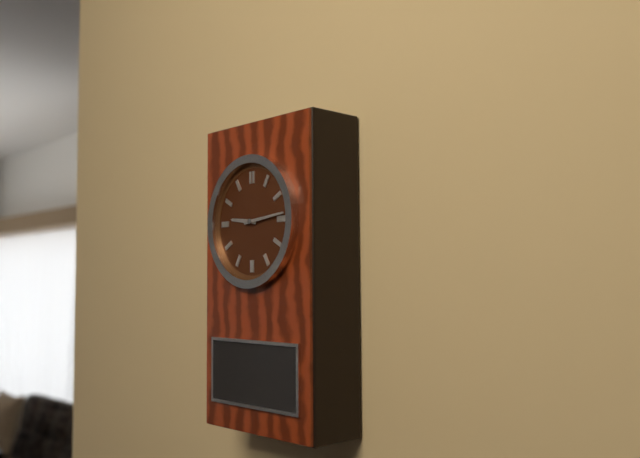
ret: 9:14
